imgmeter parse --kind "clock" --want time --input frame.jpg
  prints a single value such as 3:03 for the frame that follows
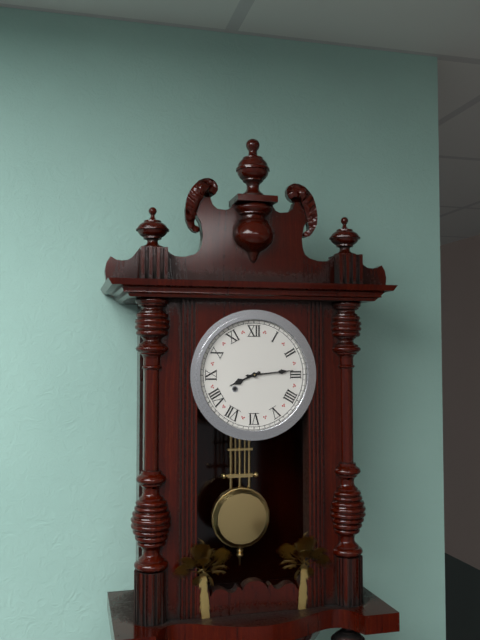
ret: 8:14
